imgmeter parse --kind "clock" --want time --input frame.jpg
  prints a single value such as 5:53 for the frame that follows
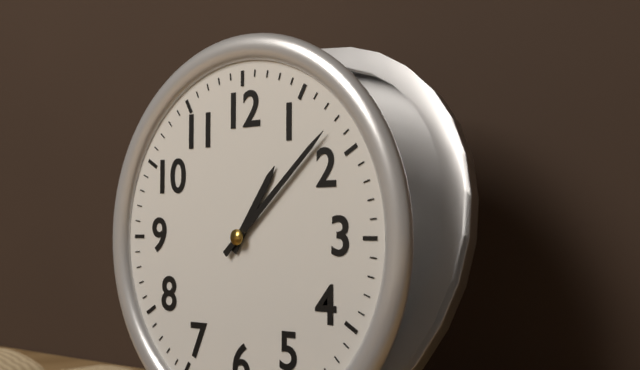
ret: 1:08
